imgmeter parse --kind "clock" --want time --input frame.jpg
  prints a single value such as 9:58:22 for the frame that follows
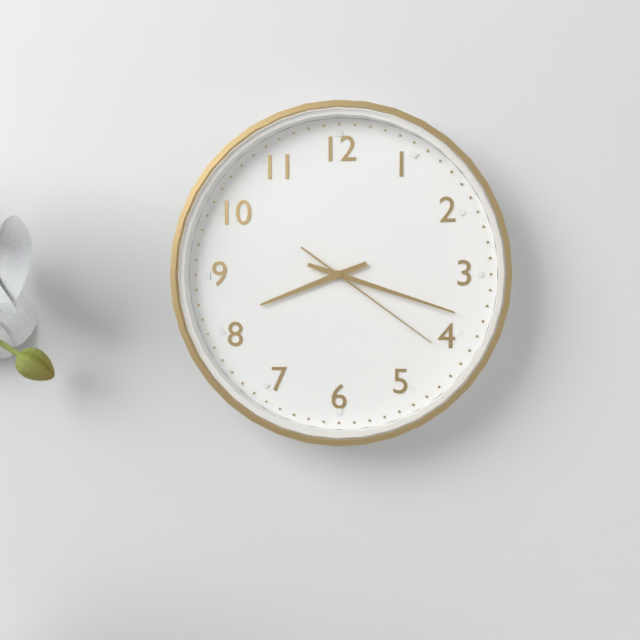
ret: 8:18:21
